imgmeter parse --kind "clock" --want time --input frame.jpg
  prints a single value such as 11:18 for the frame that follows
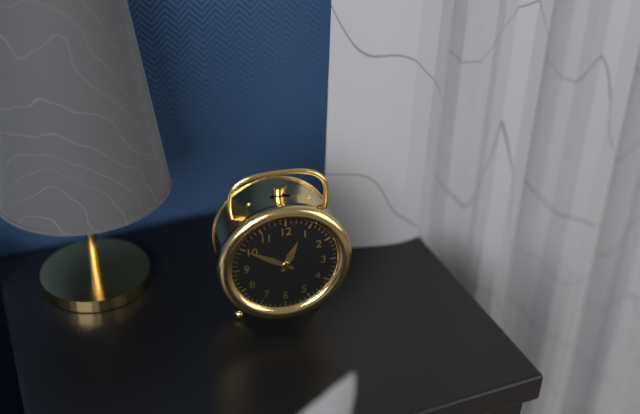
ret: 12:50
